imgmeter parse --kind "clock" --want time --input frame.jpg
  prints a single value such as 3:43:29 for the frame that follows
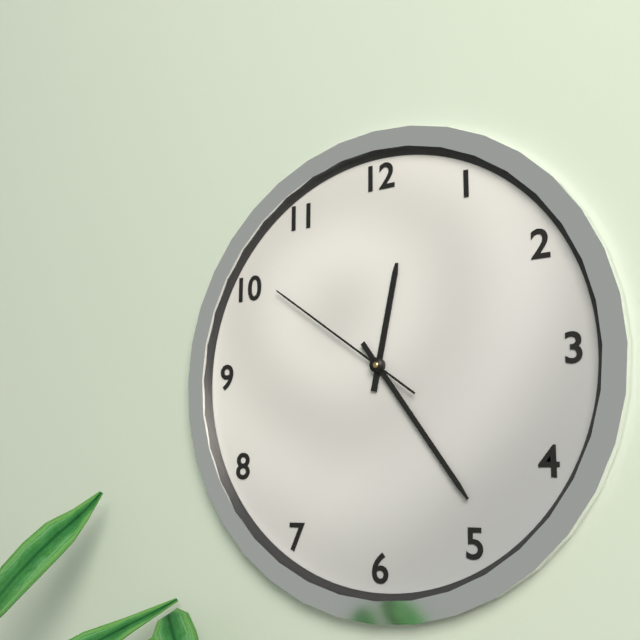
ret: 12:24:51
